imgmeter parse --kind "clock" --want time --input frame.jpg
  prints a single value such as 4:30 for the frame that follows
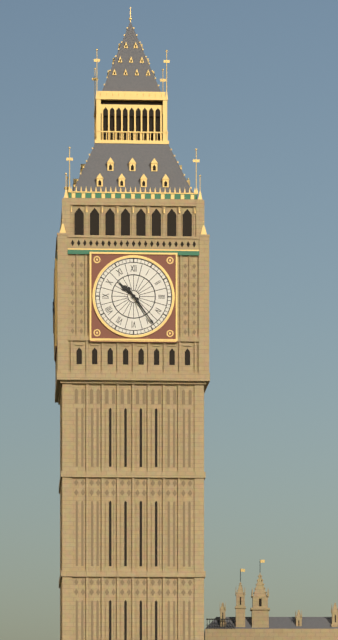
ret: 10:24
